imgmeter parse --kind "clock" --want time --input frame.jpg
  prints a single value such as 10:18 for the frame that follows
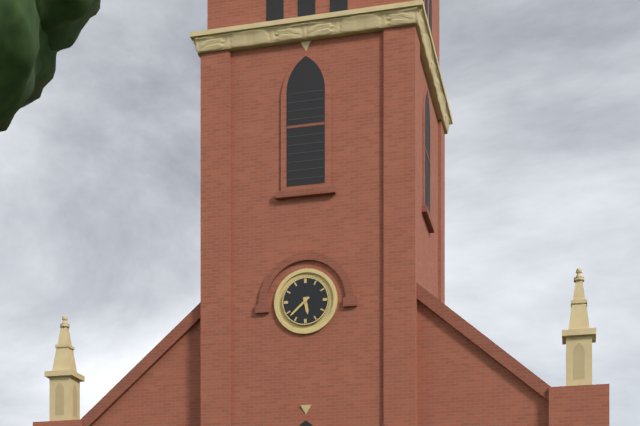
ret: 5:38
